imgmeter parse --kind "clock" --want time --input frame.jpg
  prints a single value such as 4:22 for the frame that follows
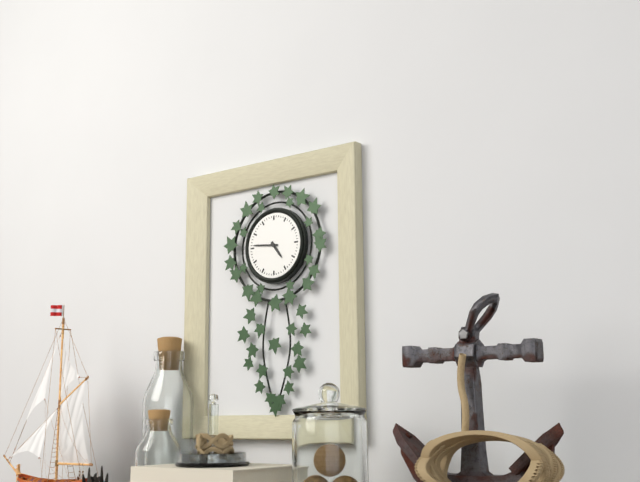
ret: 4:46
